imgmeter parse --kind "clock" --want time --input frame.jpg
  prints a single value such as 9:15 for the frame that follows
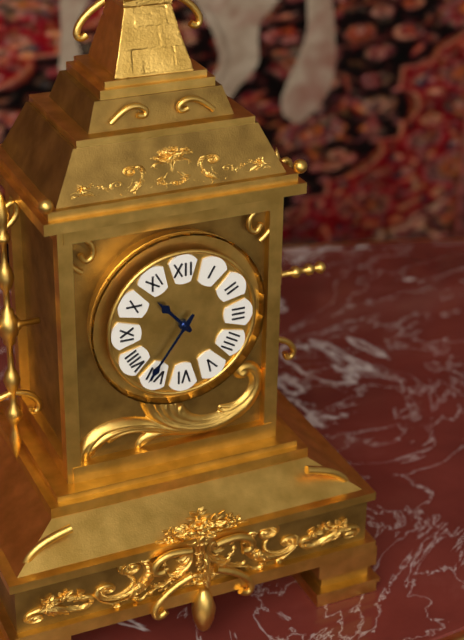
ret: 10:36
